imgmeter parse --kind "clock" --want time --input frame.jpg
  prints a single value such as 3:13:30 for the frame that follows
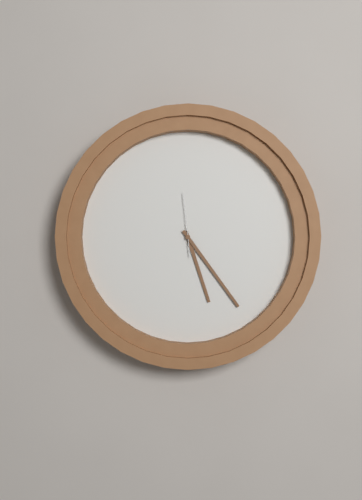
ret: 5:24:59
